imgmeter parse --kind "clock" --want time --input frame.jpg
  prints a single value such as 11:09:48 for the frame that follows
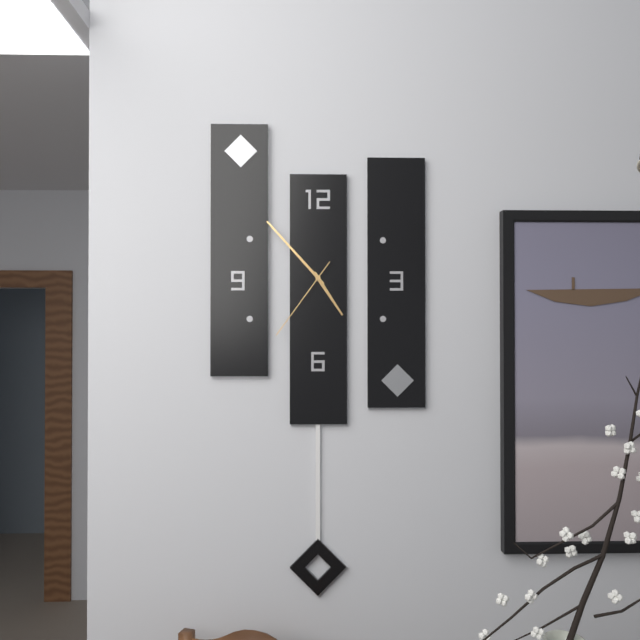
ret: 4:53:36
